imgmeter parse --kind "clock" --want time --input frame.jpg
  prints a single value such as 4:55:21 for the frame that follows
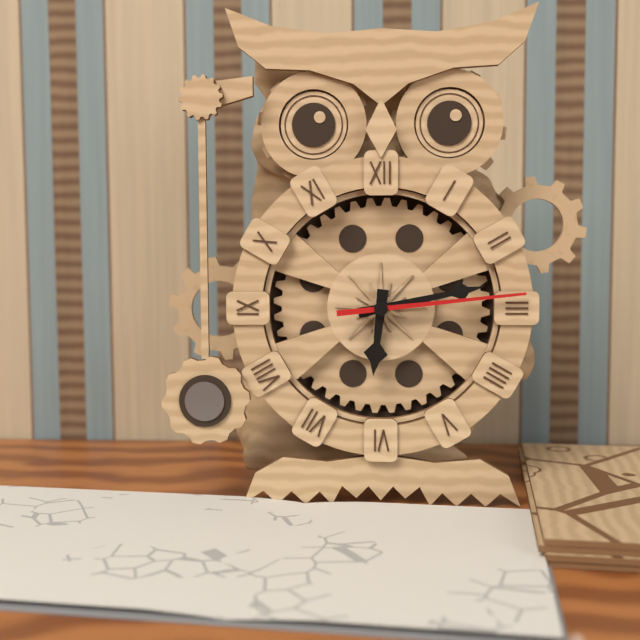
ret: 6:13:14
